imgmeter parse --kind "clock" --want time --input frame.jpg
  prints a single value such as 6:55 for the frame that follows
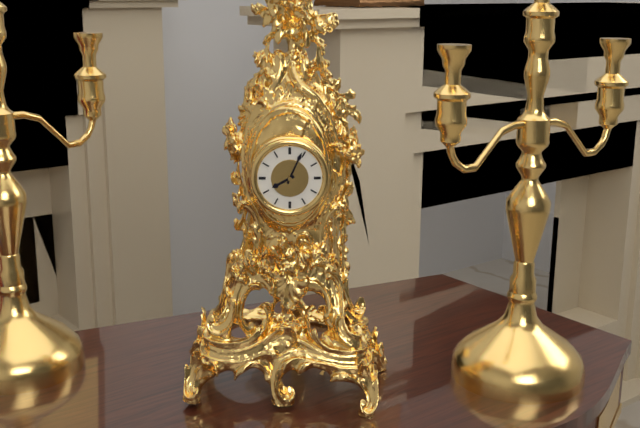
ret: 8:04
